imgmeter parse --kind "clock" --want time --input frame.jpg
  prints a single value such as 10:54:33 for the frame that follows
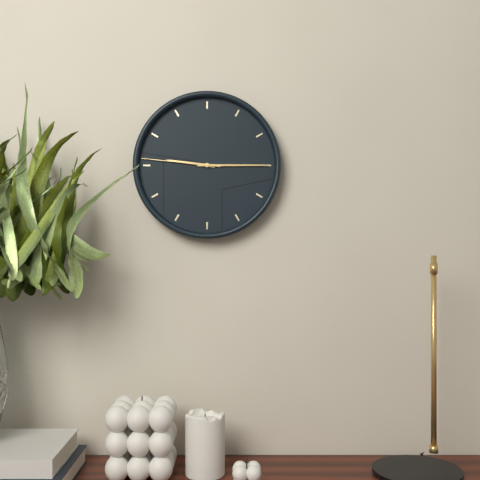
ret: 9:15:46
